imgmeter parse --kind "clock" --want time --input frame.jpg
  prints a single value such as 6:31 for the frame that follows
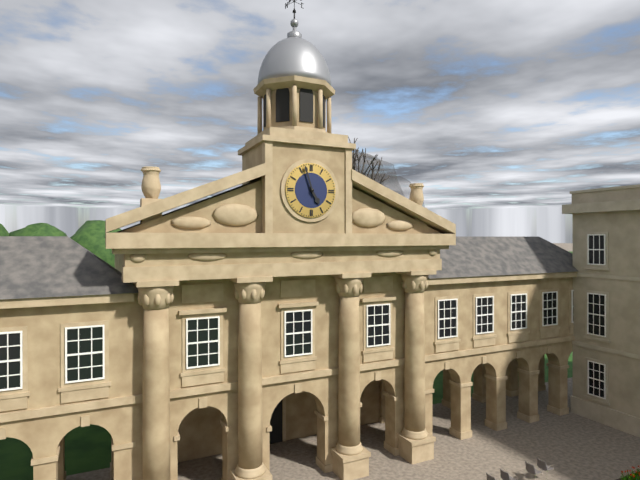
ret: 4:57
